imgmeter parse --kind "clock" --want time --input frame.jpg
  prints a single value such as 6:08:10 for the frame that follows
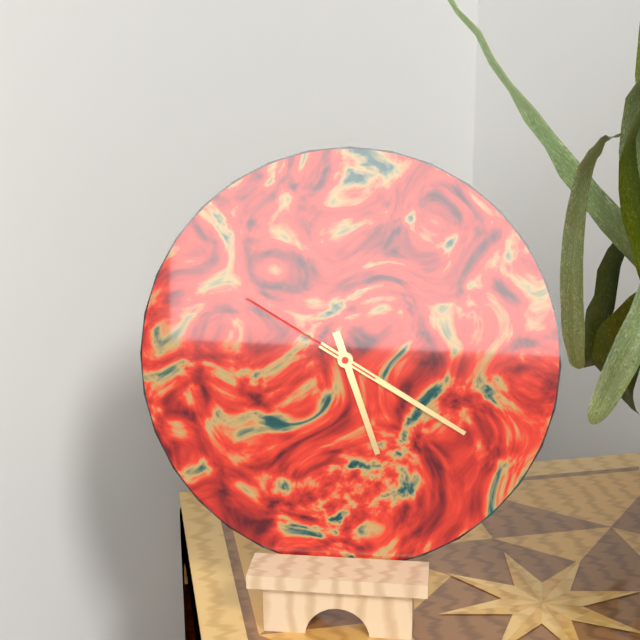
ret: 5:20:50
